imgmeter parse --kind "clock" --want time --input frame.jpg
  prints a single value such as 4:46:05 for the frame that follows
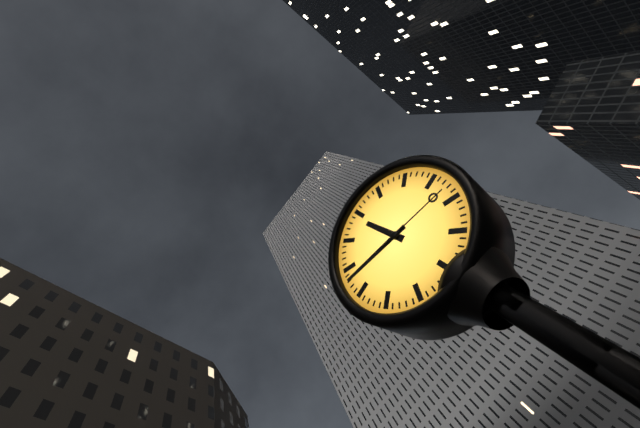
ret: 11:48:18
